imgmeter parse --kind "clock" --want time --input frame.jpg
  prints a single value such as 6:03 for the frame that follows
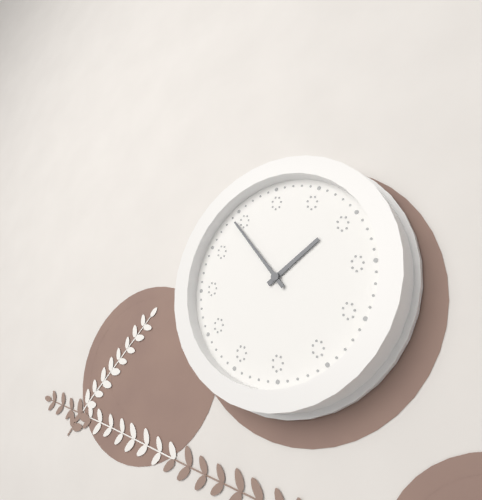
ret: 1:54
